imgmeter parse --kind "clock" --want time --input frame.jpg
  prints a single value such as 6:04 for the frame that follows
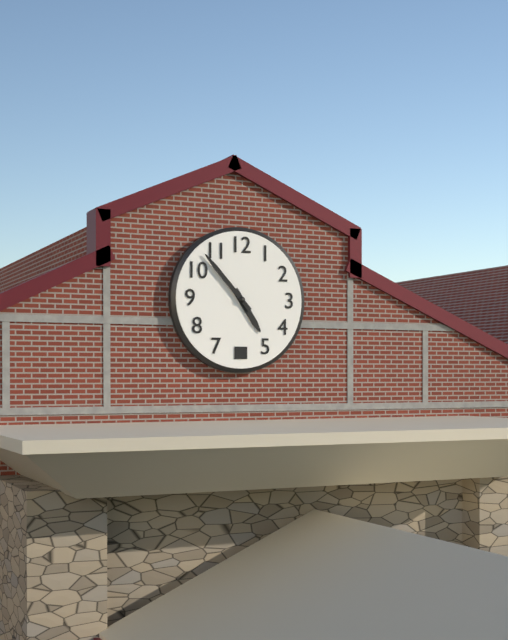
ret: 4:53
